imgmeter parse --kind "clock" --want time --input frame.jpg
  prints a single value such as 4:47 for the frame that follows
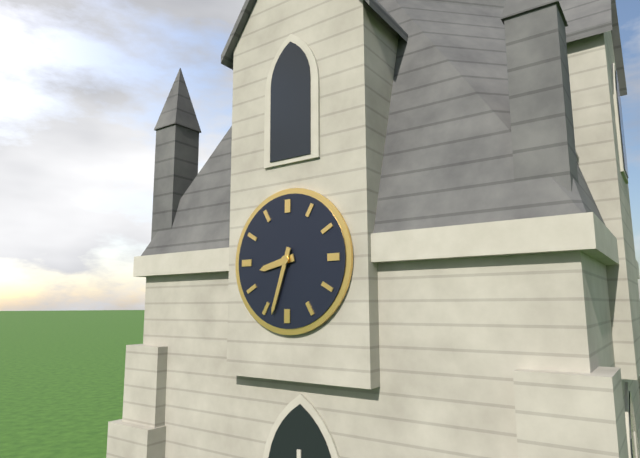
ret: 8:33
